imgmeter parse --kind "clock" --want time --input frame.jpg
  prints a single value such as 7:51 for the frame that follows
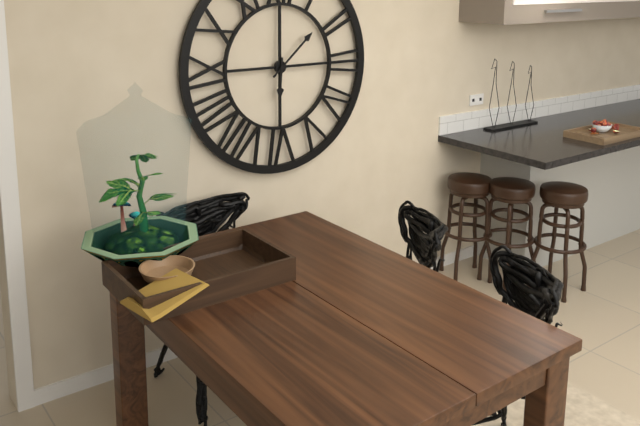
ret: 6:08
